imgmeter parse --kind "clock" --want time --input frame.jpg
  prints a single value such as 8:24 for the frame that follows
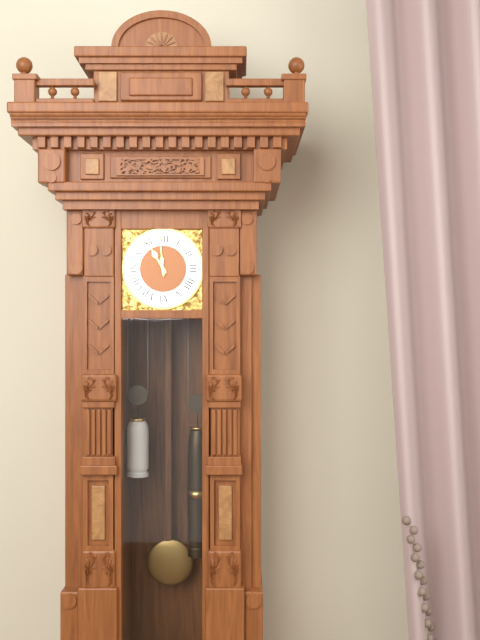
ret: 10:59
